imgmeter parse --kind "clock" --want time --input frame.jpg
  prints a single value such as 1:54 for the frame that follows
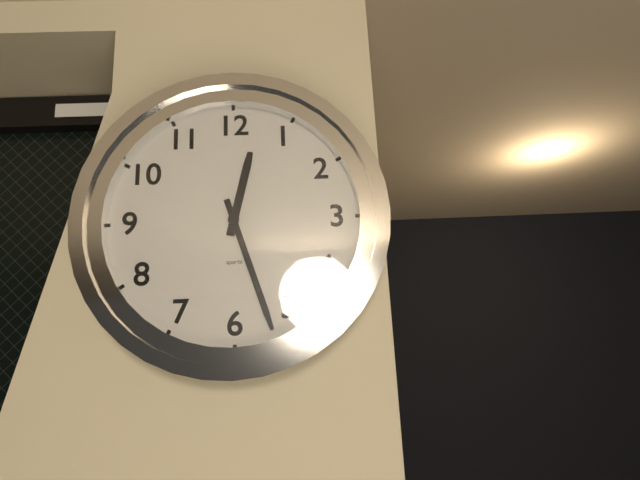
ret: 12:27
